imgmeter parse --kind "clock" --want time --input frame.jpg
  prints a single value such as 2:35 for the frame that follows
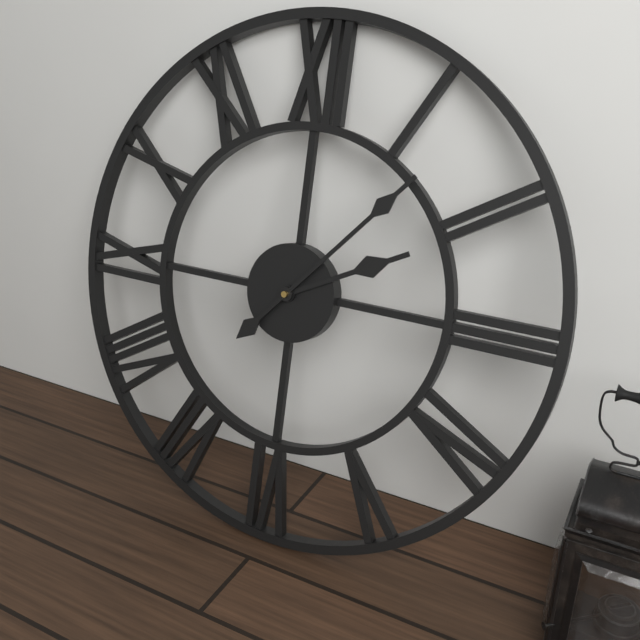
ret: 2:07
